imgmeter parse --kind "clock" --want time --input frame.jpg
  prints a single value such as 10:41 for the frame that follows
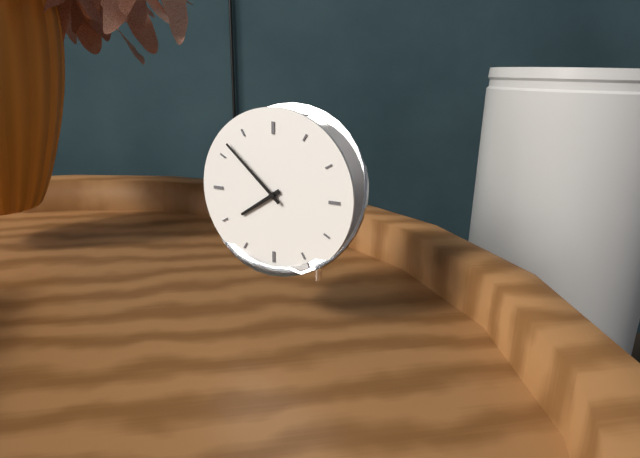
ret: 7:52
